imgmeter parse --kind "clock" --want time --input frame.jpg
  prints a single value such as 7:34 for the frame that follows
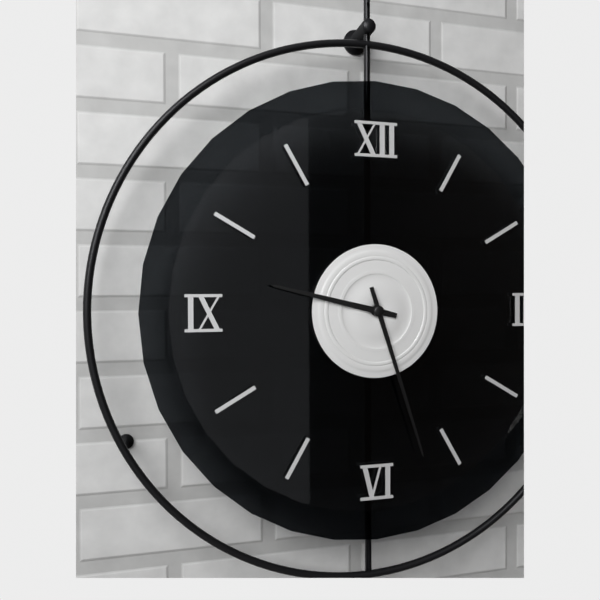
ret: 9:27
